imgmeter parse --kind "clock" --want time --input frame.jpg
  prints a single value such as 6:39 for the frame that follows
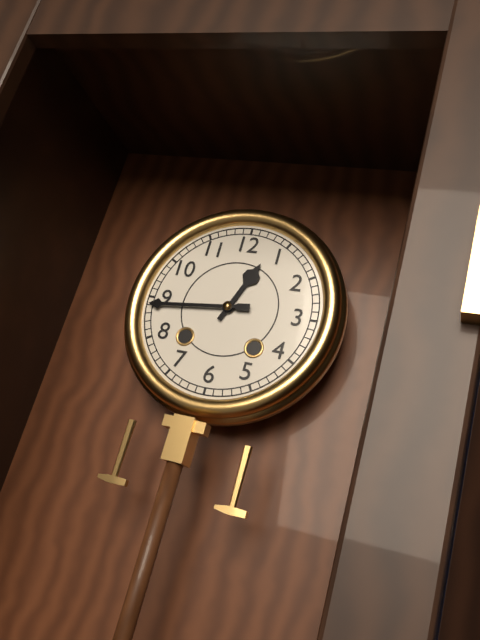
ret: 12:44
